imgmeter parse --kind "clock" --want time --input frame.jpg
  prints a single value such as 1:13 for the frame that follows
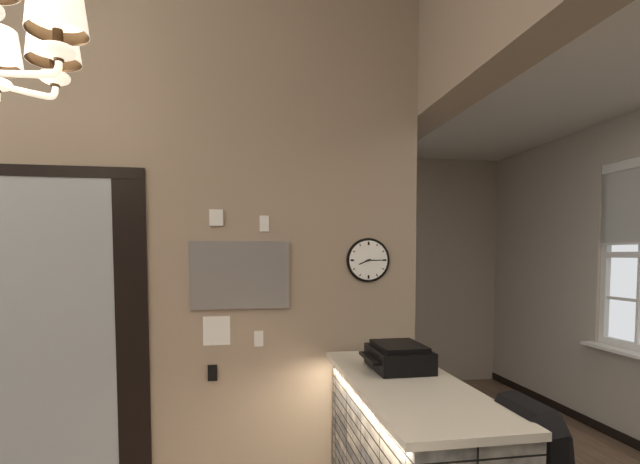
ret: 8:15
